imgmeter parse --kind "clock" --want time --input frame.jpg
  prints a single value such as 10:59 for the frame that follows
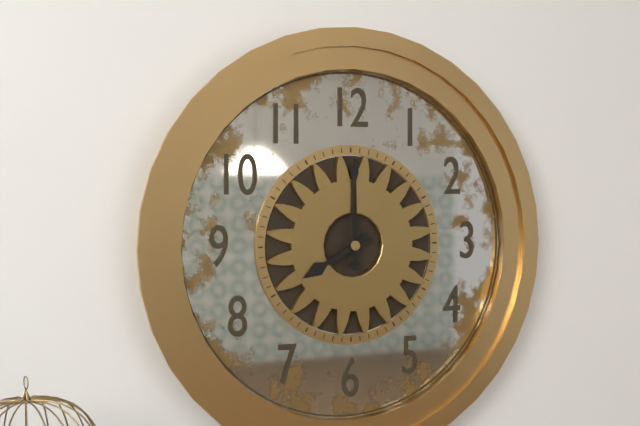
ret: 8:00
